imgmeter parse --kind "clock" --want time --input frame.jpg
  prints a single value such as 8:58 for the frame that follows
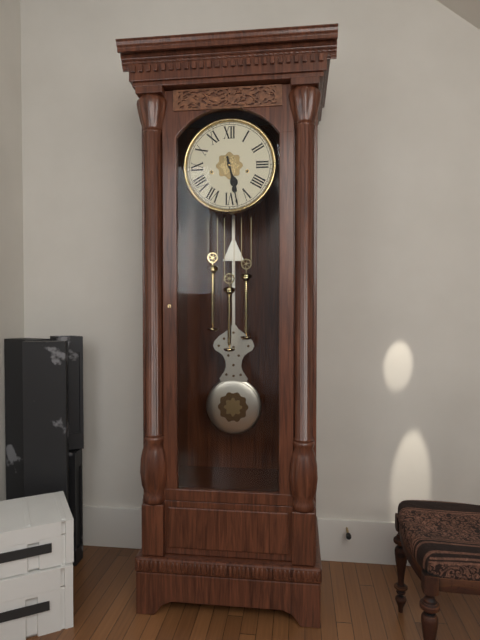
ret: 5:28
